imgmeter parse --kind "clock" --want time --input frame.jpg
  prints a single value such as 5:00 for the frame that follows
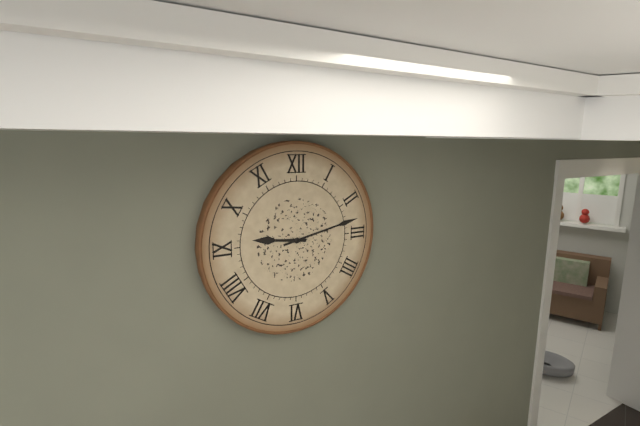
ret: 9:13
